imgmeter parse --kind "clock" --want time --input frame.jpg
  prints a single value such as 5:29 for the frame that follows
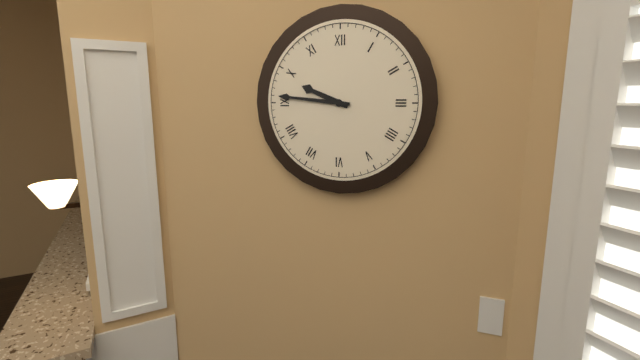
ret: 9:46
